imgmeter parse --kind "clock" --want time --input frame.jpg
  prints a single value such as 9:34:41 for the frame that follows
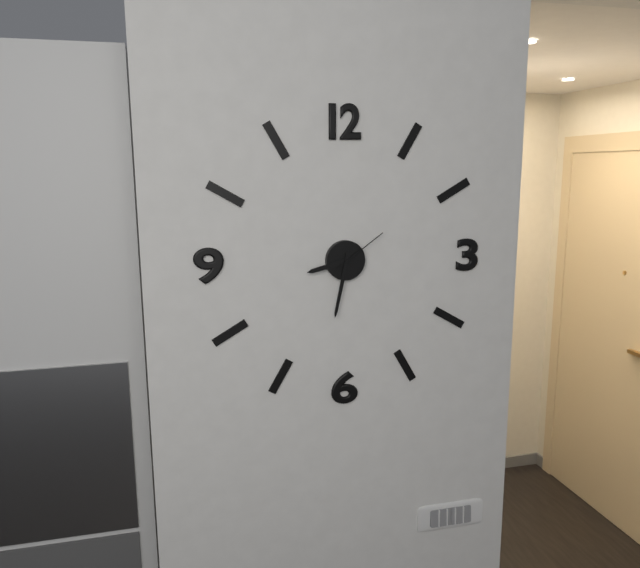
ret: 8:32:09
